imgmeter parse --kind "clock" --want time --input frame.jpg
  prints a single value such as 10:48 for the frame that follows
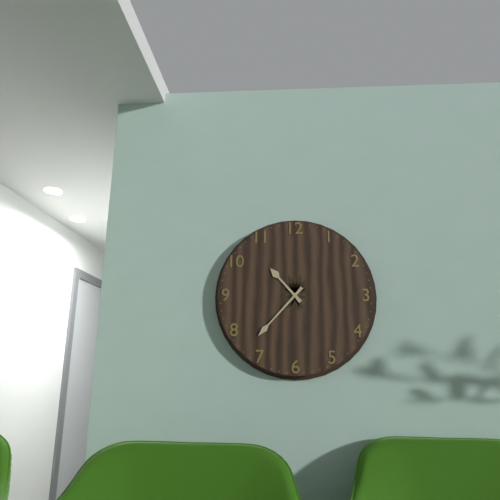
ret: 10:37
